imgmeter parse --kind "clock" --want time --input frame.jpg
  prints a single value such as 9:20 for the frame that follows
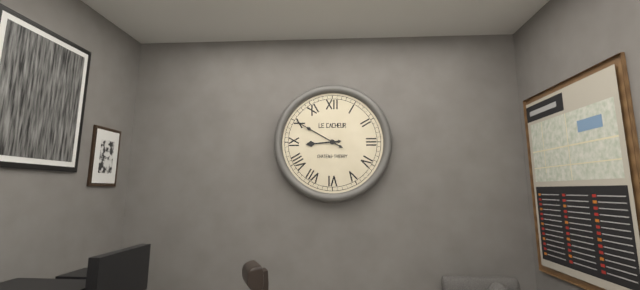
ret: 8:50
